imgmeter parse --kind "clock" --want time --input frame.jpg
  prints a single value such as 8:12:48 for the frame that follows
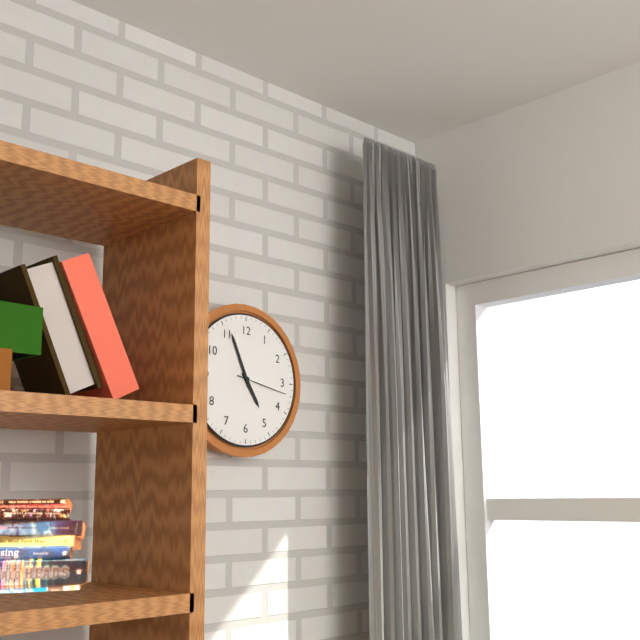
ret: 4:56:17
